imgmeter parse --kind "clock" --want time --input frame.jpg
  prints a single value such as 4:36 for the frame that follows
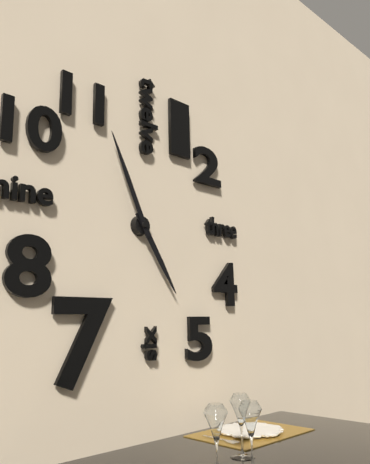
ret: 4:56
